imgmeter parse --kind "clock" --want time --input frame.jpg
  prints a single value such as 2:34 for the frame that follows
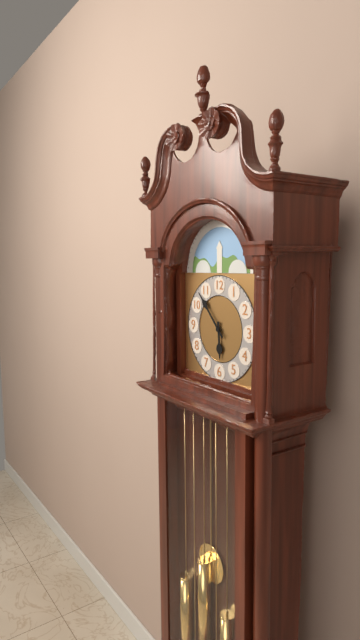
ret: 5:53
